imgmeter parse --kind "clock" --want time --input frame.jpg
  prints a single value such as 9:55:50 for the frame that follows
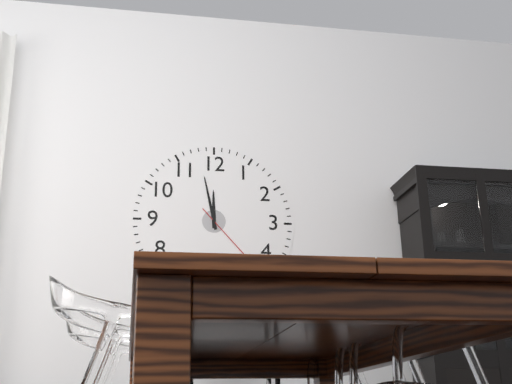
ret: 11:58:23
